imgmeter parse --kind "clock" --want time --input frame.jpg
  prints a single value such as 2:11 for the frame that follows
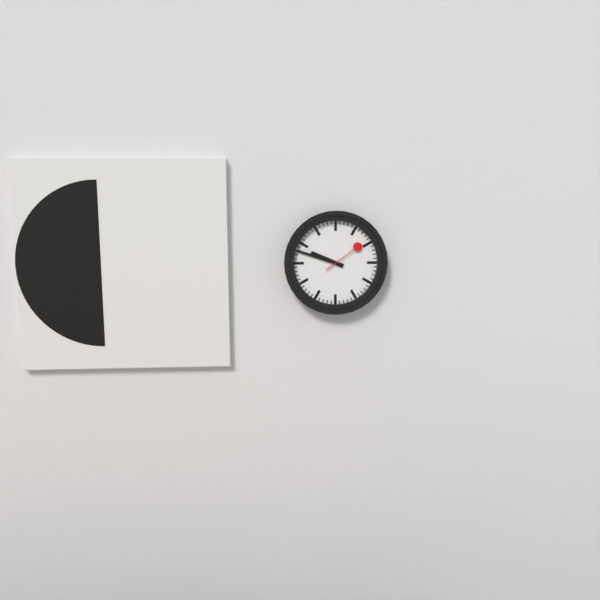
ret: 9:48
